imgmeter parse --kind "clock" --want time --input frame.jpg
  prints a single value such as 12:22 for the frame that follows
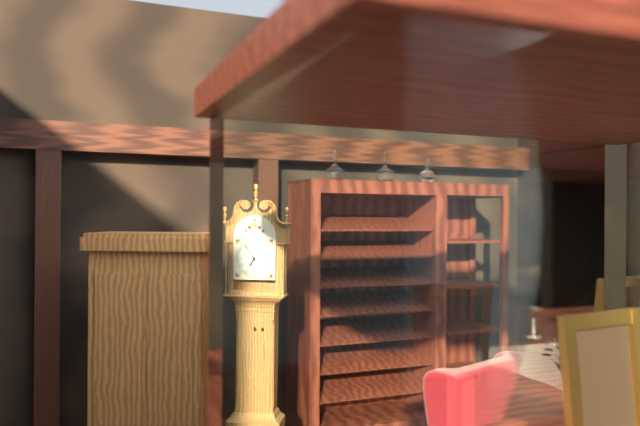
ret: 6:54
